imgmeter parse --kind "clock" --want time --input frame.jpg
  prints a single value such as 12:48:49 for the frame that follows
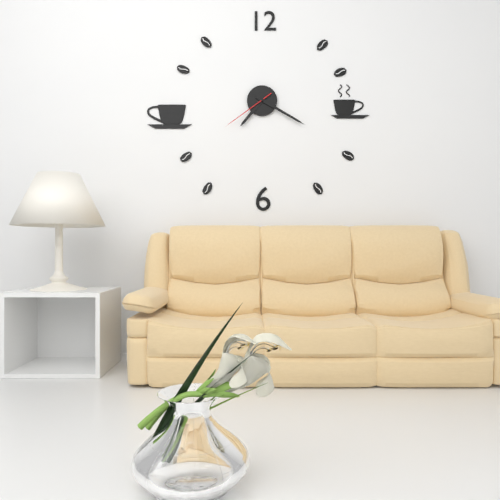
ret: 7:20:39
